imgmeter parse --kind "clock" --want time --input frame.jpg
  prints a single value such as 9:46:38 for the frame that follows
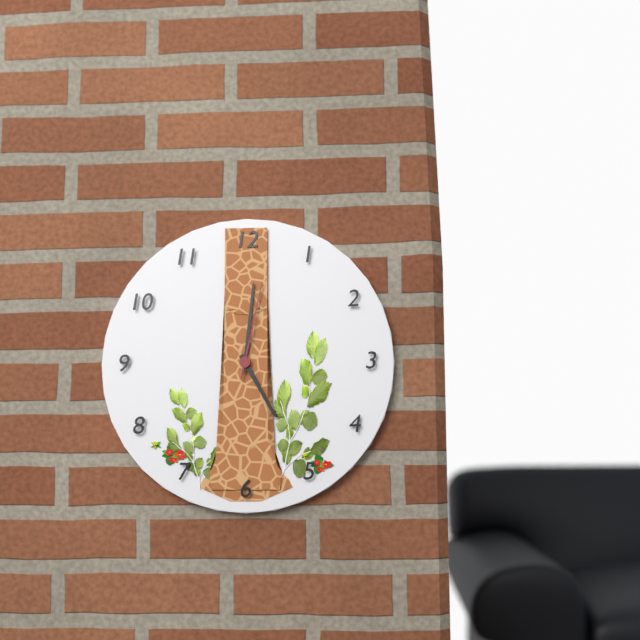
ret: 5:01:02
